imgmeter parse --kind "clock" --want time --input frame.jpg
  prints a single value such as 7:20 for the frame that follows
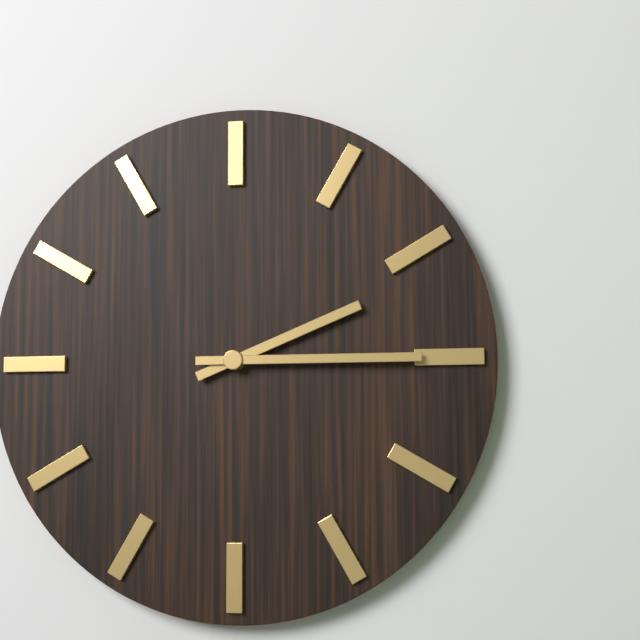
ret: 2:15
